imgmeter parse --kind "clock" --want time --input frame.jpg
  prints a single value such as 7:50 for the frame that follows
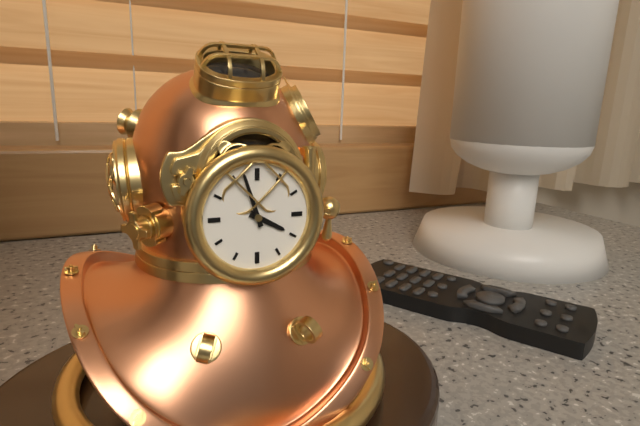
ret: 3:57
